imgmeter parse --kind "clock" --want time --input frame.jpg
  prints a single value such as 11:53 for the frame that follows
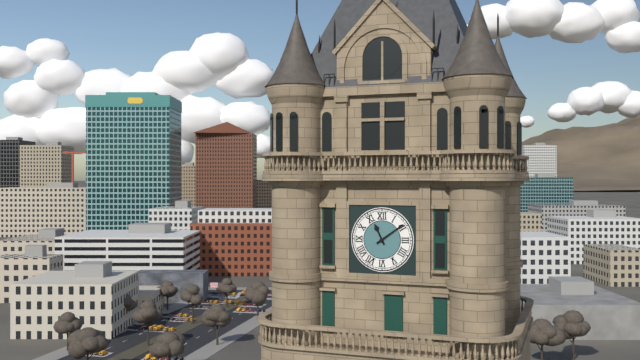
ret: 11:09
